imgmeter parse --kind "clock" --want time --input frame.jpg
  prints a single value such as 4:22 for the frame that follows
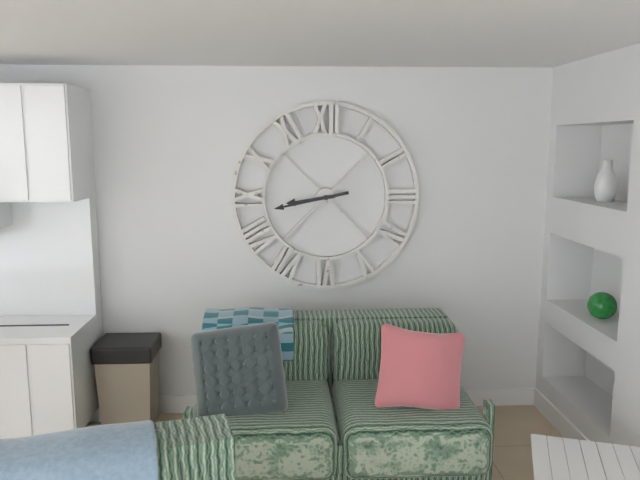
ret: 8:43
